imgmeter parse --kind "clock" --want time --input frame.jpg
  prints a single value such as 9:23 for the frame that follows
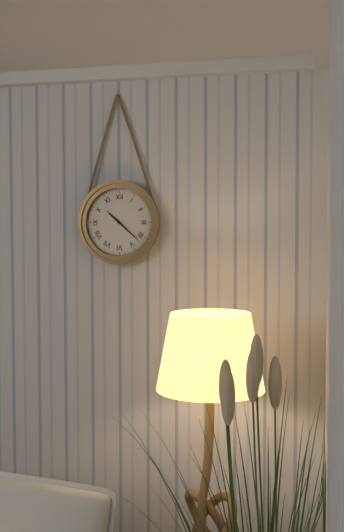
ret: 10:22
